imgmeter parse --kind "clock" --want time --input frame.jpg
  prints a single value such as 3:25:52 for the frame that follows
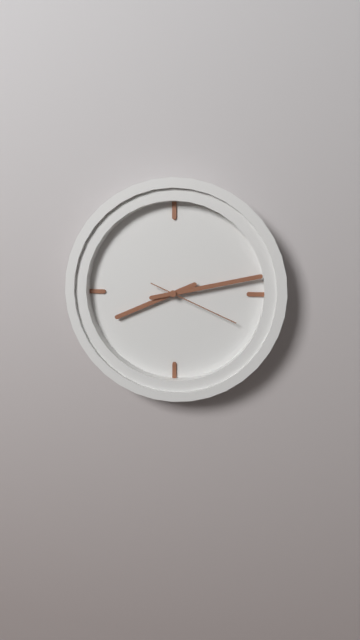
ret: 8:13:19
